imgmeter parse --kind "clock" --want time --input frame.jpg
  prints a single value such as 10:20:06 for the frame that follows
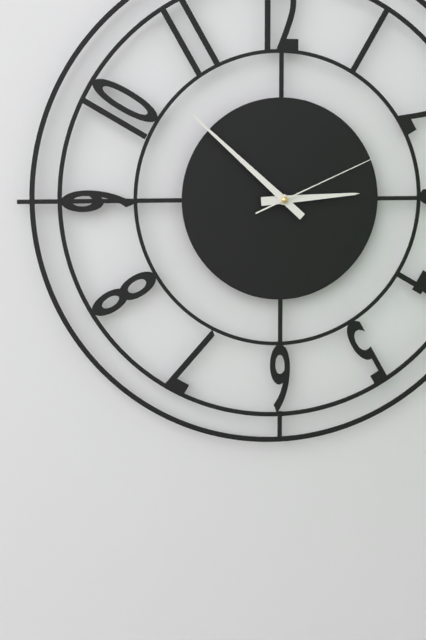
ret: 2:52:11
